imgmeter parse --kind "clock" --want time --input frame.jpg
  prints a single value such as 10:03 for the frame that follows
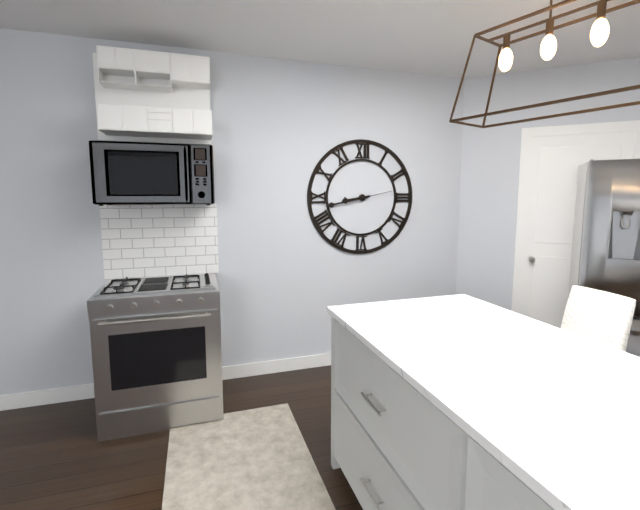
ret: 8:43
